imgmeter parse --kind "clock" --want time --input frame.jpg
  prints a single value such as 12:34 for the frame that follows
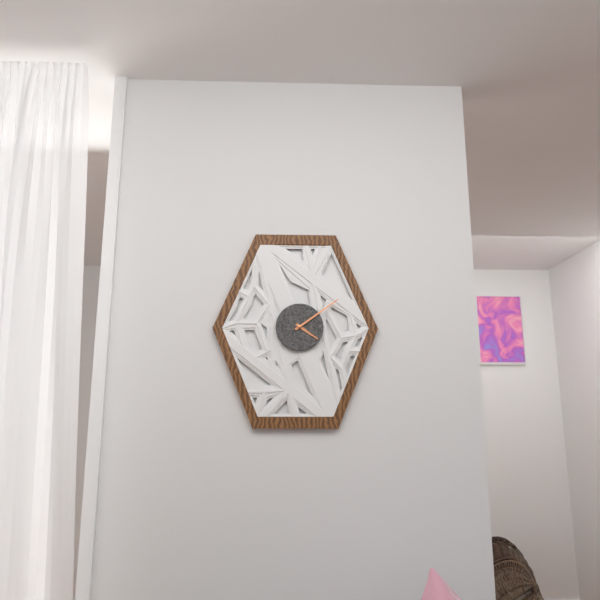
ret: 4:09
